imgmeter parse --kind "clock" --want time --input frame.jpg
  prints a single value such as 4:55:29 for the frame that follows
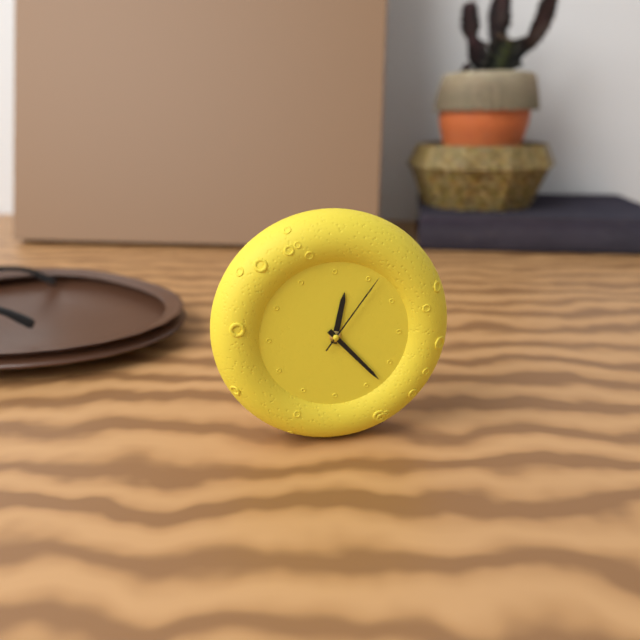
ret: 12:23:06
